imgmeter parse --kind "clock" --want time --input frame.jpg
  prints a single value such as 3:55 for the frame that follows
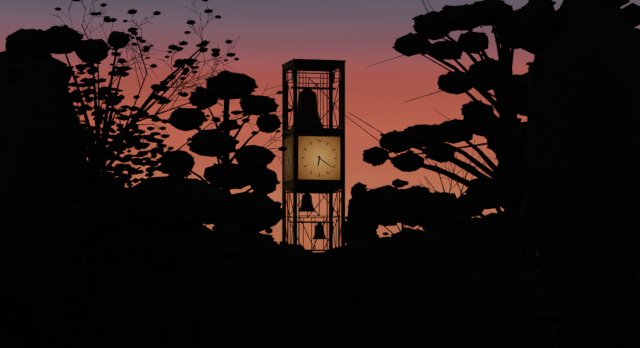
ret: 6:21
